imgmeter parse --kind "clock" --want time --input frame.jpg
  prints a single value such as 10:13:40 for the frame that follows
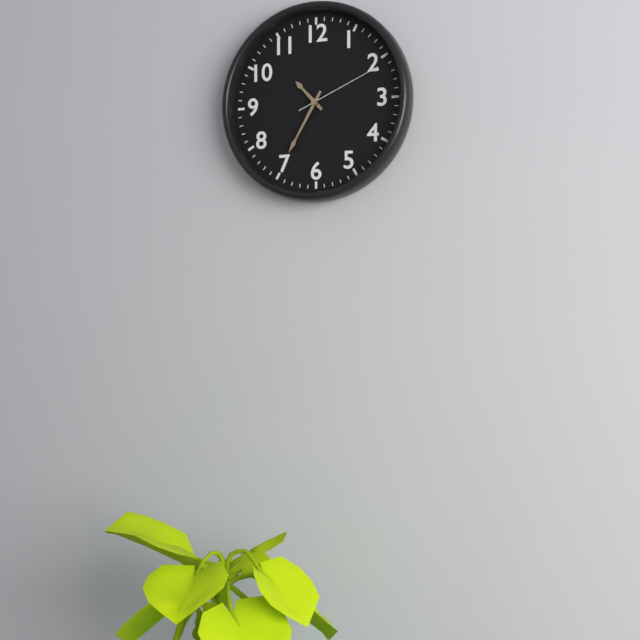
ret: 10:35:11
